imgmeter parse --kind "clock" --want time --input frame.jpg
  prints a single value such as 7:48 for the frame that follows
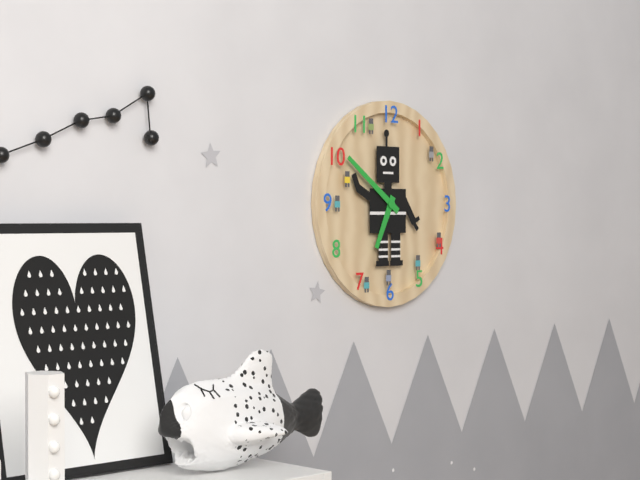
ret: 6:51
